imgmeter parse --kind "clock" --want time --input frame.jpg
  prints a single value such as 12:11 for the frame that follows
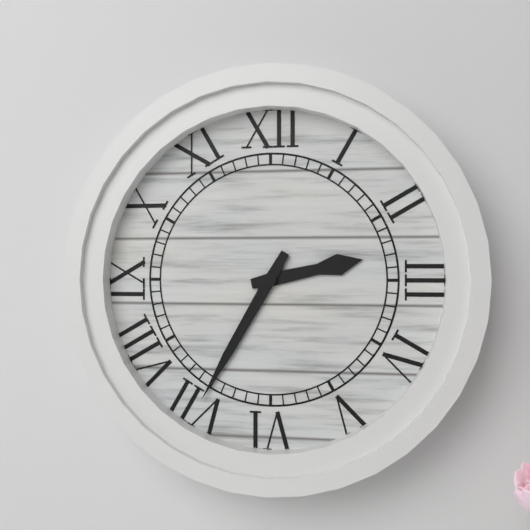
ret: 2:35
